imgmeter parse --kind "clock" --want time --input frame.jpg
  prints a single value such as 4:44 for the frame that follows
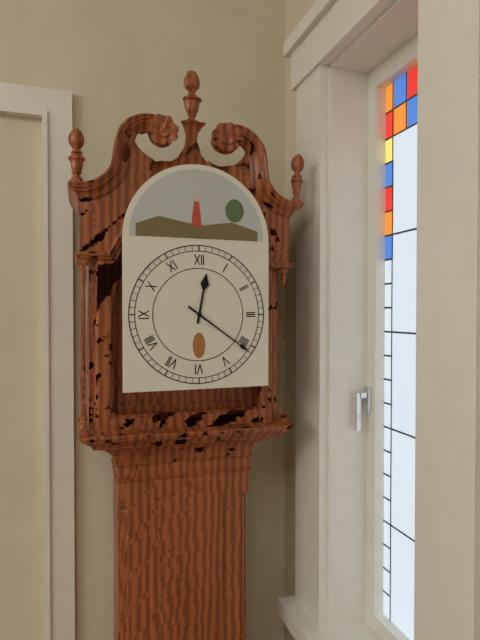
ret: 12:21
